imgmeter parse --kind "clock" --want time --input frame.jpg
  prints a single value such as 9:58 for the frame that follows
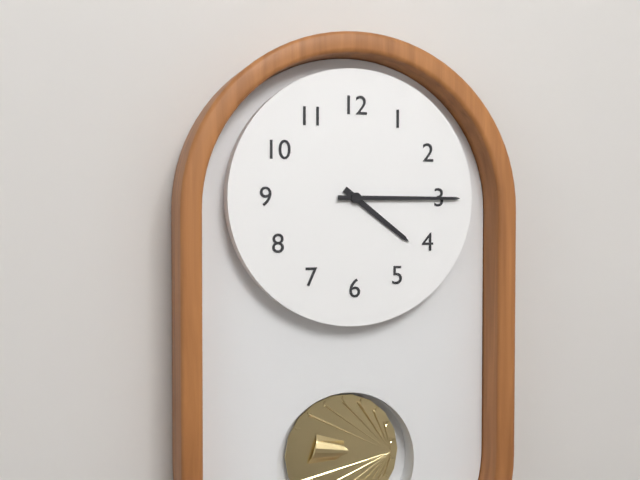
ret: 4:15
